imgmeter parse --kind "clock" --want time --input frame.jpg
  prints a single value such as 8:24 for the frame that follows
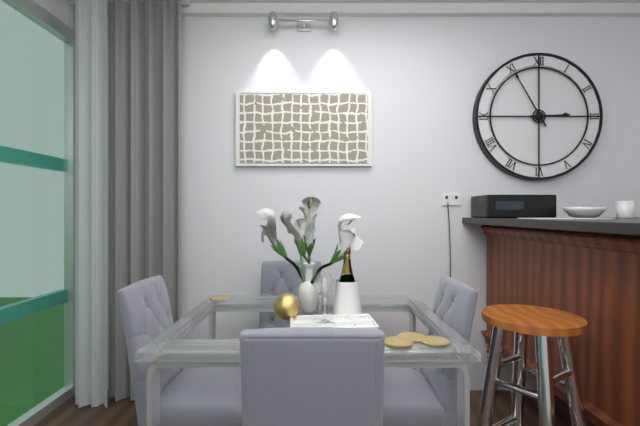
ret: 2:55
